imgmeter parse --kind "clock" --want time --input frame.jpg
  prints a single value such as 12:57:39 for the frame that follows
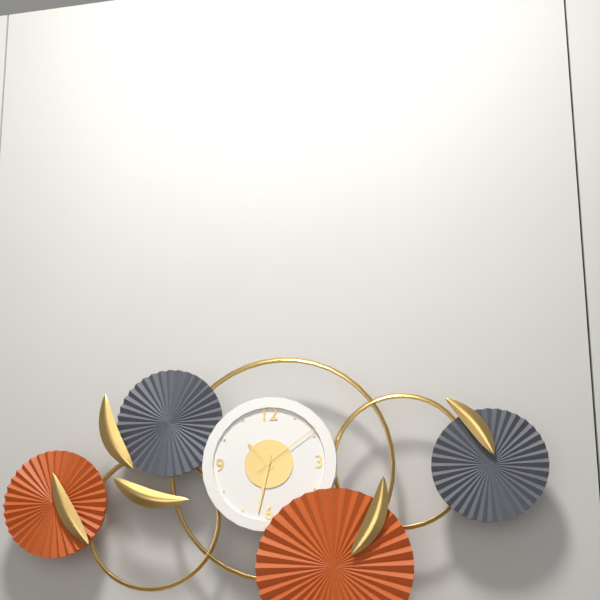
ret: 10:32:09
